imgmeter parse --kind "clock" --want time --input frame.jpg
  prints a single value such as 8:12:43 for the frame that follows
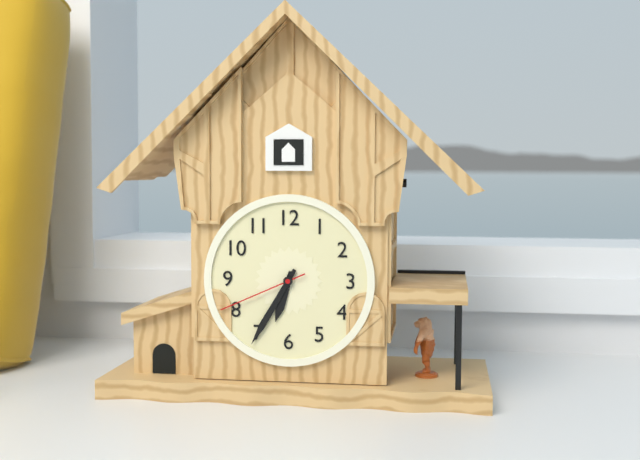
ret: 6:35:41
